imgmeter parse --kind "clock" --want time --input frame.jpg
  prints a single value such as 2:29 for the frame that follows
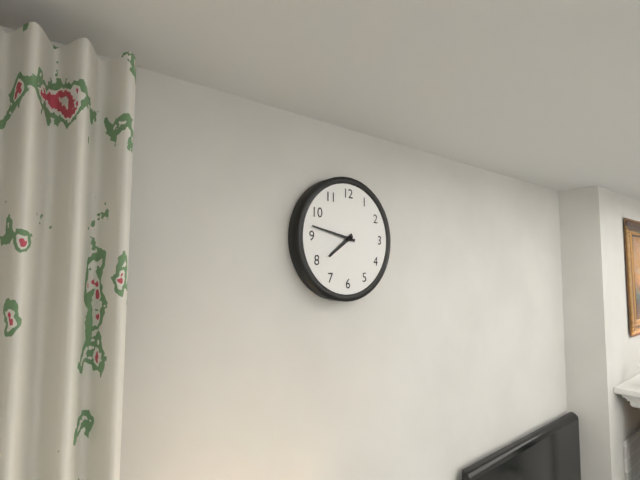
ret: 7:47
